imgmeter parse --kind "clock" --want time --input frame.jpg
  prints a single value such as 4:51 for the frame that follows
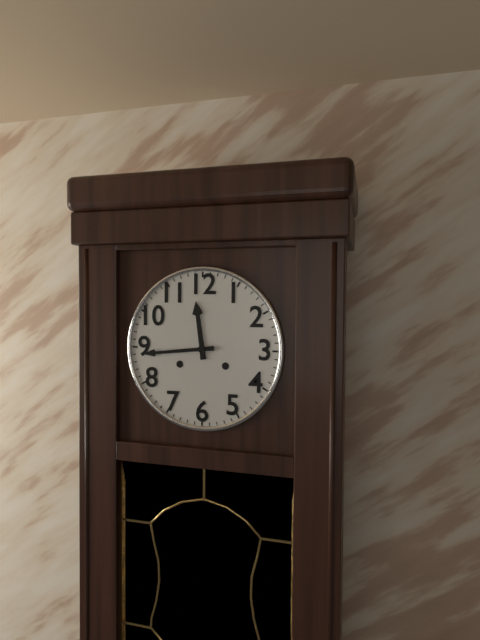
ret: 11:44
